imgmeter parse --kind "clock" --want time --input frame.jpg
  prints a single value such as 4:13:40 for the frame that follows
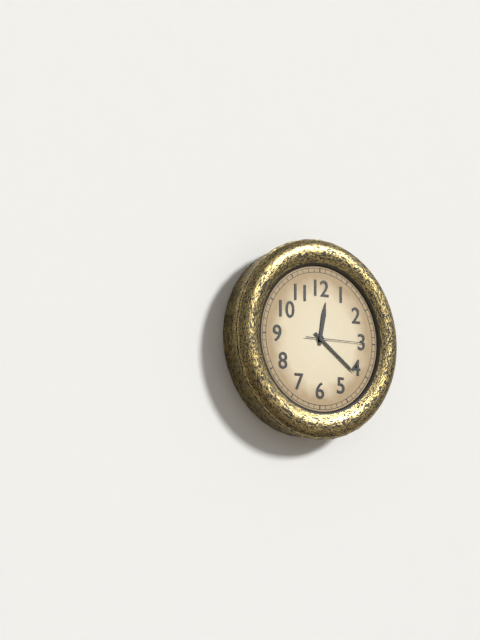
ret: 12:21:15
